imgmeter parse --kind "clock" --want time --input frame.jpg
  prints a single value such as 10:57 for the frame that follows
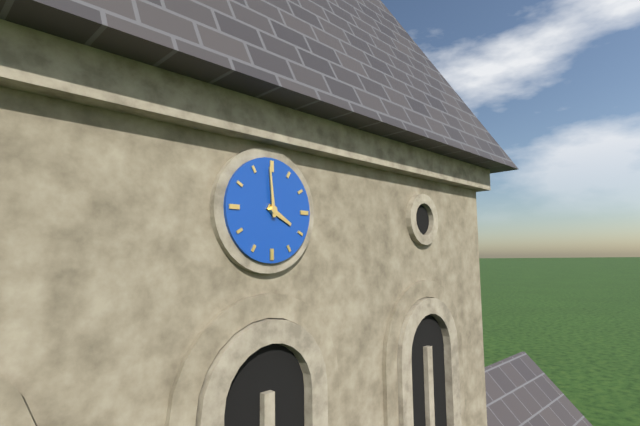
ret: 3:59
